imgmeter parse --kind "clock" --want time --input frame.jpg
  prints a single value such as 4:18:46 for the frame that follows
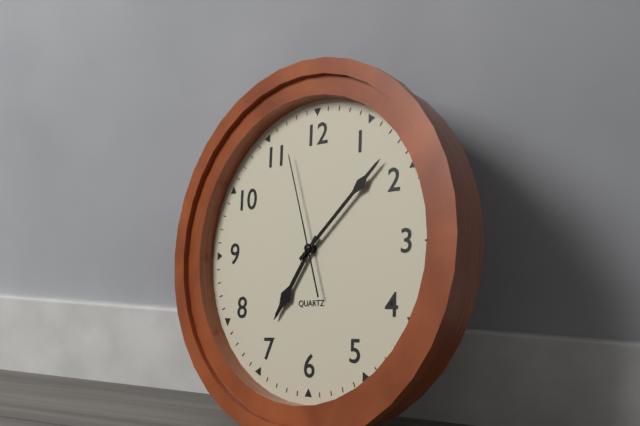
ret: 7:08:57
